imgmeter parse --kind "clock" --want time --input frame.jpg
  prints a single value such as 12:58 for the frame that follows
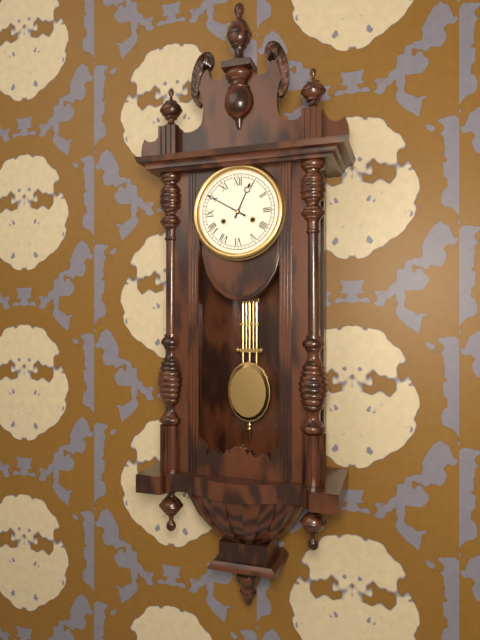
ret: 12:50
